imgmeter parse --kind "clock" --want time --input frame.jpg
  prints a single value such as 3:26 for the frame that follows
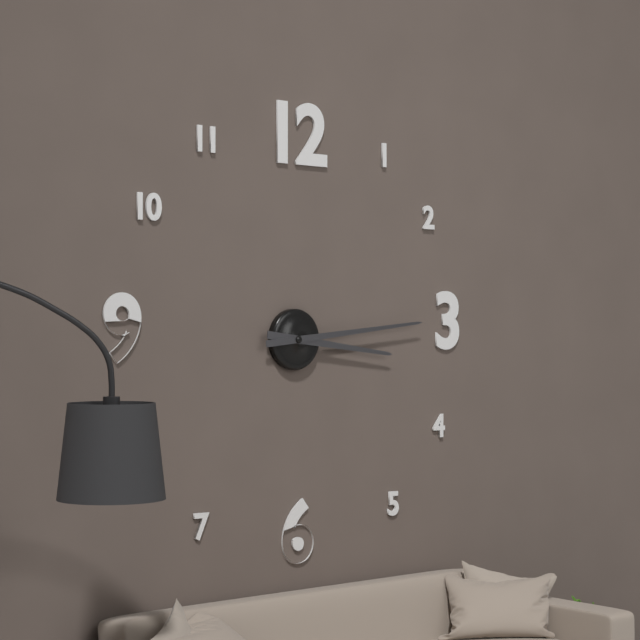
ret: 3:14
